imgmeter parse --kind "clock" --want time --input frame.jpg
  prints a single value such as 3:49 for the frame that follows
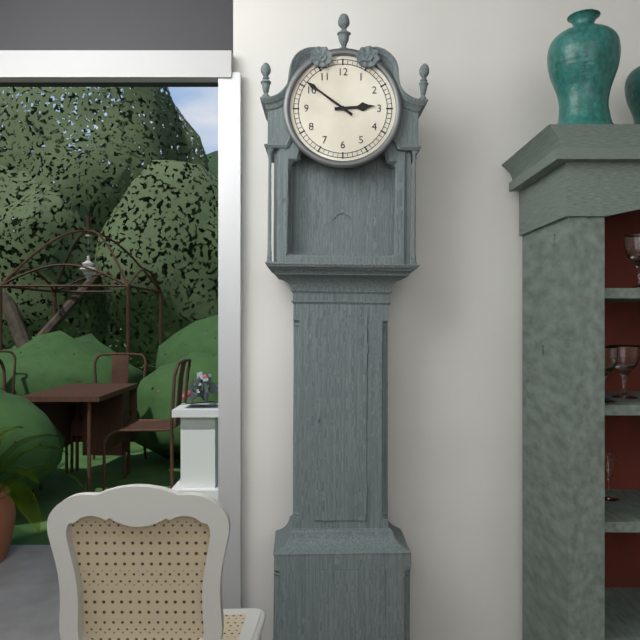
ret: 2:51
